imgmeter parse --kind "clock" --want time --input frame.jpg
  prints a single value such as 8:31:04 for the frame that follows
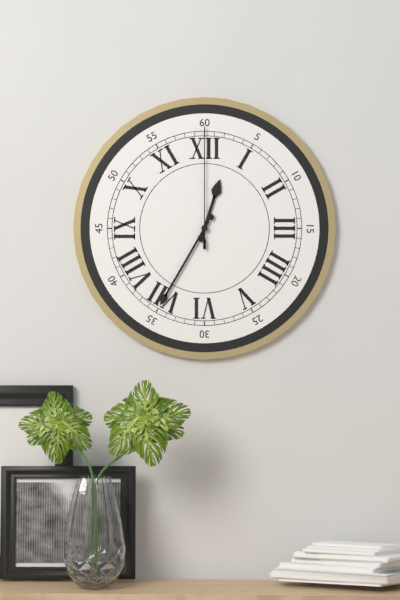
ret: 12:35:00
